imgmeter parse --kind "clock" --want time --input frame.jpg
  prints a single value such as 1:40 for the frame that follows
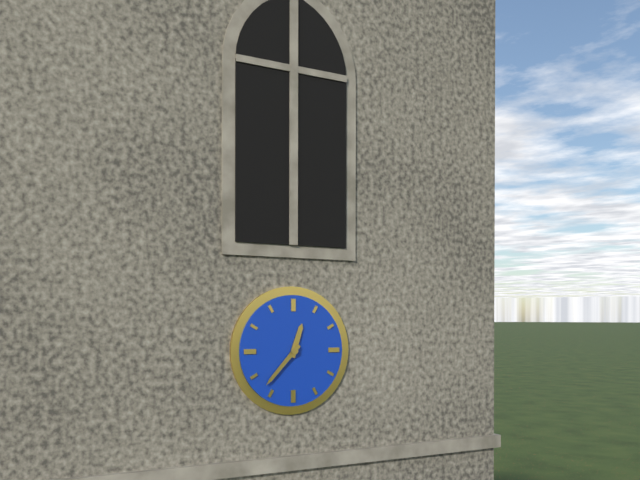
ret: 12:37
